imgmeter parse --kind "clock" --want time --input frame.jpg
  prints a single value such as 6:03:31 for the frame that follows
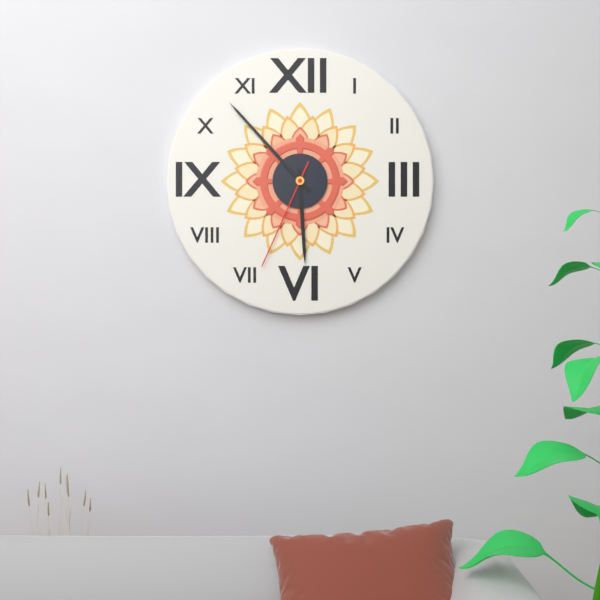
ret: 5:53:34
